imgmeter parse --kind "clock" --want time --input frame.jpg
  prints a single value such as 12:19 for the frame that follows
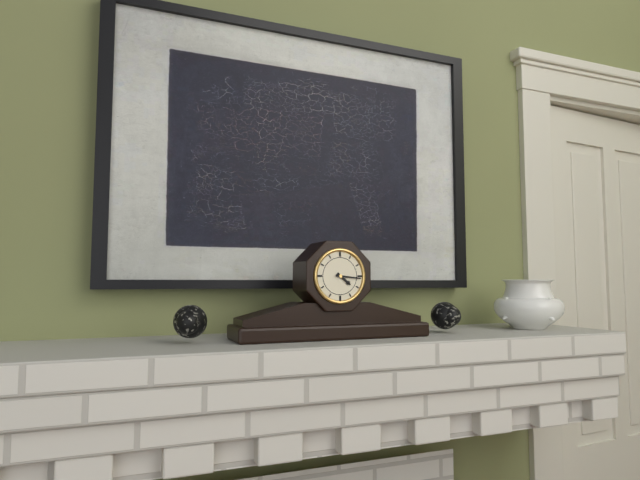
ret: 4:16
